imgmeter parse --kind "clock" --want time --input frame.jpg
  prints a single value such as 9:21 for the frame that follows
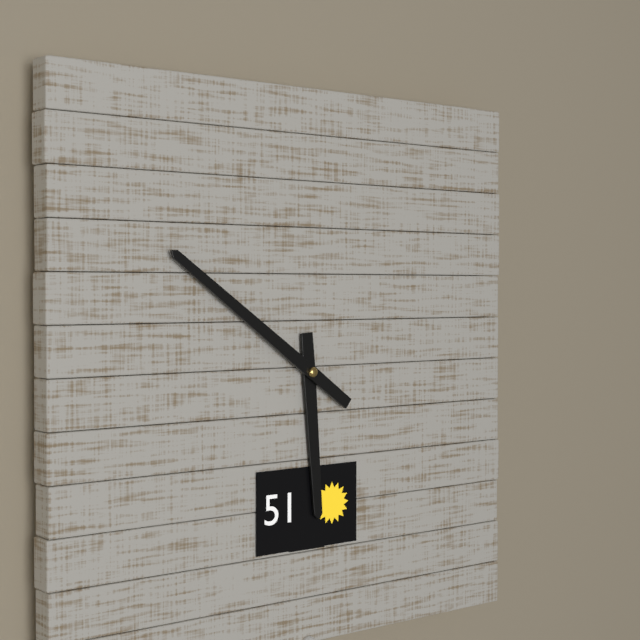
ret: 5:51
